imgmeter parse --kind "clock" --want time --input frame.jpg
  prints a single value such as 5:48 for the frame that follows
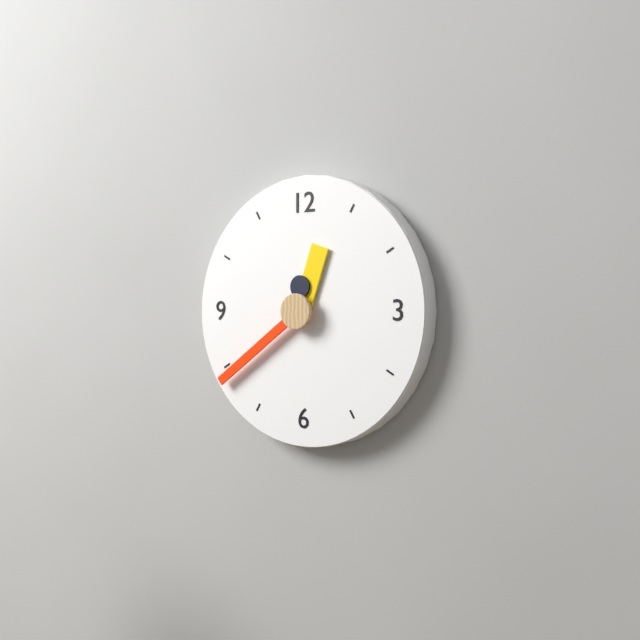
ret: 12:39
